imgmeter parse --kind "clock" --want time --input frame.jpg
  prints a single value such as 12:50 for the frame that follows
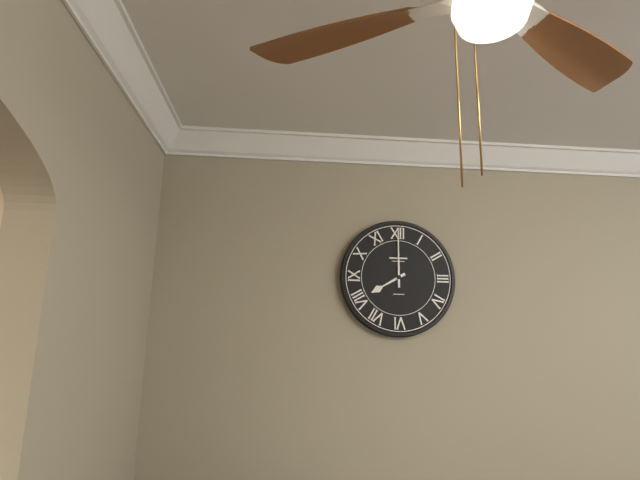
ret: 8:00
